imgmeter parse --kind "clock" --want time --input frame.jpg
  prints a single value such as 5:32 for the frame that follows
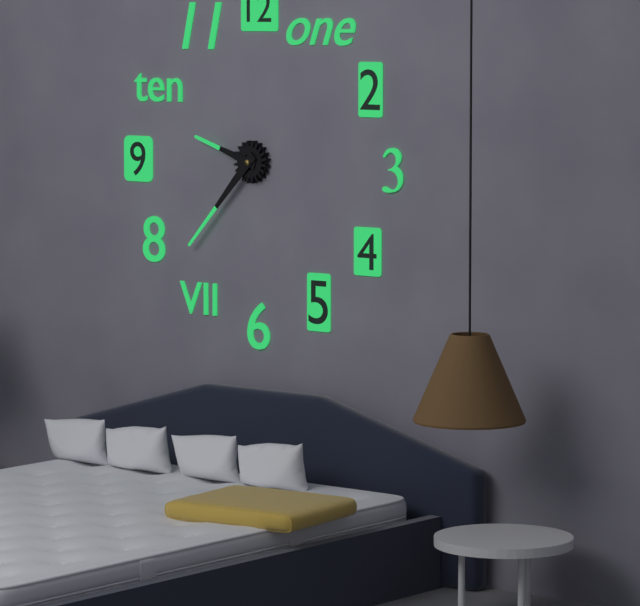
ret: 9:37
